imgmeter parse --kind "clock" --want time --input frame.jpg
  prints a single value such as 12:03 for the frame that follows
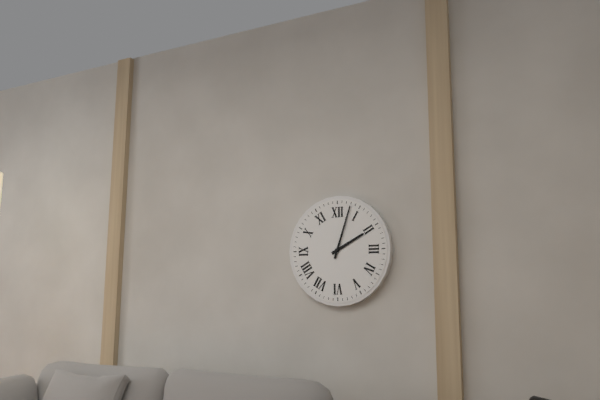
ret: 2:03
